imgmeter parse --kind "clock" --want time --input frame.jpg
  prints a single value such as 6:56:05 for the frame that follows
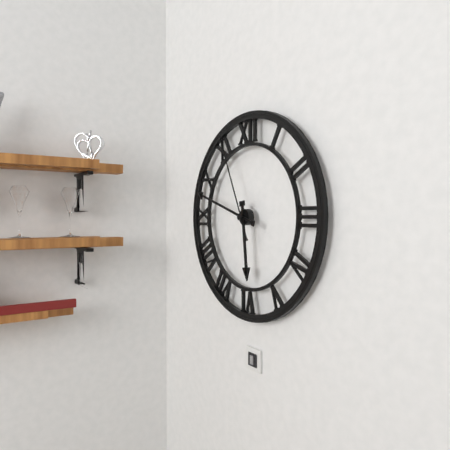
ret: 5:48:56
